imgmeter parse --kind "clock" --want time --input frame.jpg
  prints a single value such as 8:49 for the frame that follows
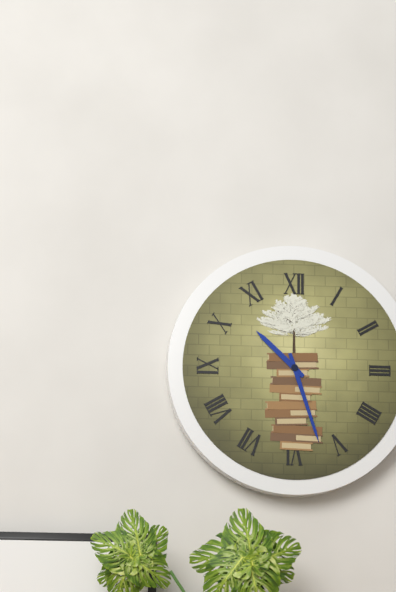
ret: 10:27
